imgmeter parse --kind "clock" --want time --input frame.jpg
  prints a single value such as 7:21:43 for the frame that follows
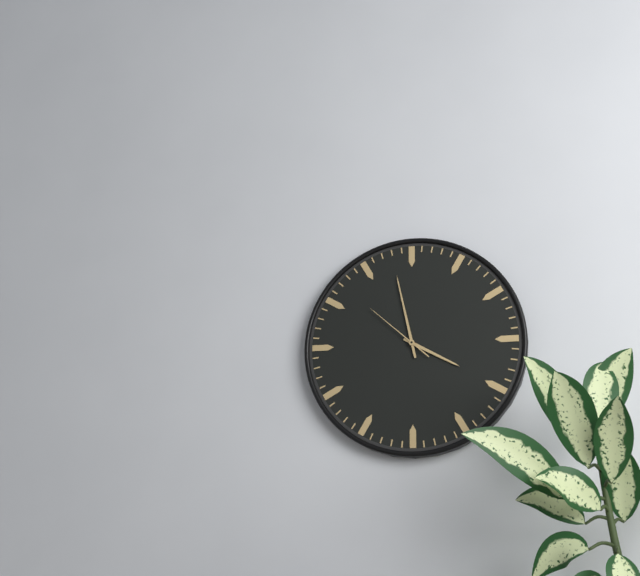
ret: 3:58:52
